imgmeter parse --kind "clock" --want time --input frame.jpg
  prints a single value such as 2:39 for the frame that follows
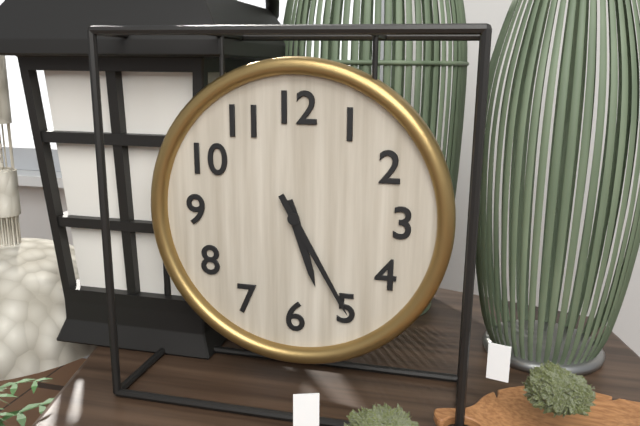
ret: 5:25
